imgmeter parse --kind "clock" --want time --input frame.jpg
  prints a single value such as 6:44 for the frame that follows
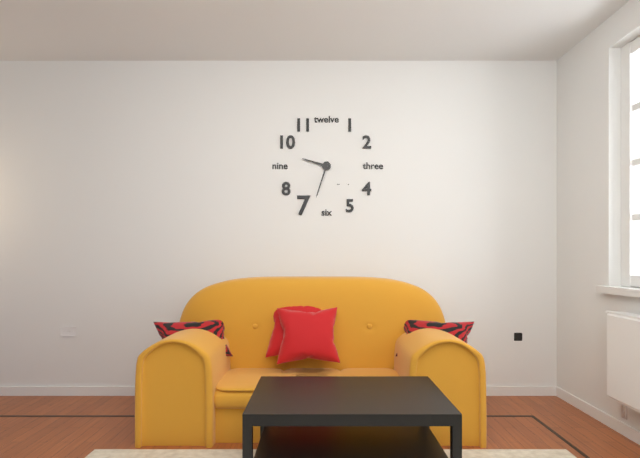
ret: 9:33
